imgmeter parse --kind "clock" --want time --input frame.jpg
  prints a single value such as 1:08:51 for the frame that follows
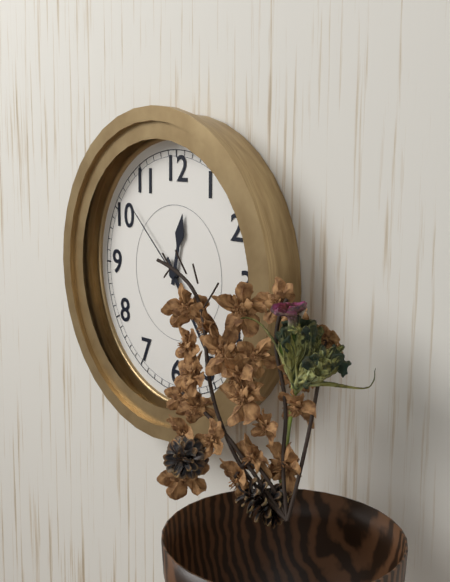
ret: 12:24:52
